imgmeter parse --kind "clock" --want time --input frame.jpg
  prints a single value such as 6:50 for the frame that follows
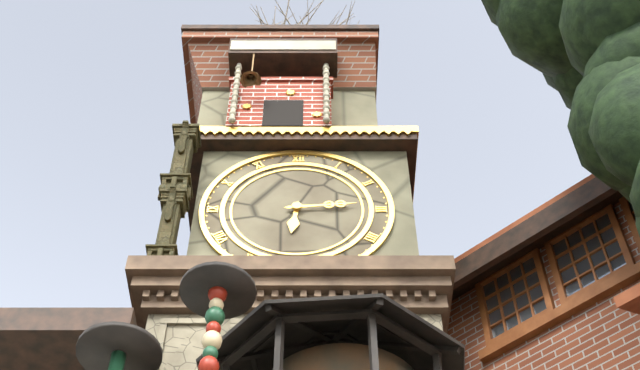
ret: 6:14
